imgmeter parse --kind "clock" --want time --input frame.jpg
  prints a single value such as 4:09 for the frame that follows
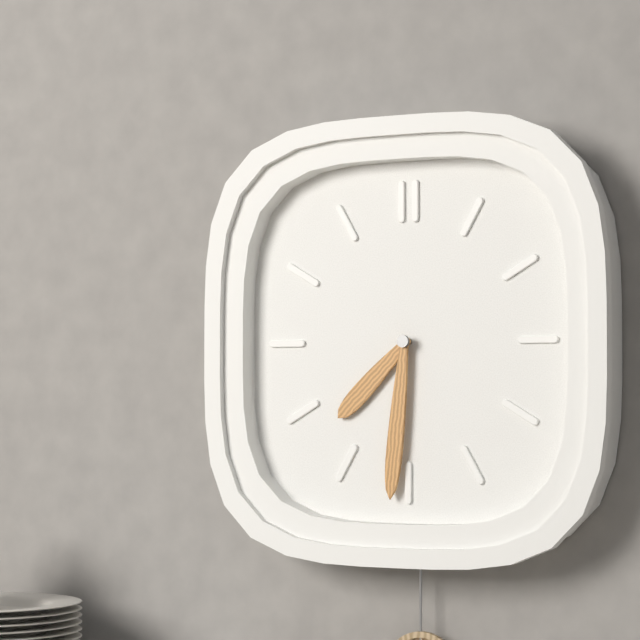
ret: 7:31
